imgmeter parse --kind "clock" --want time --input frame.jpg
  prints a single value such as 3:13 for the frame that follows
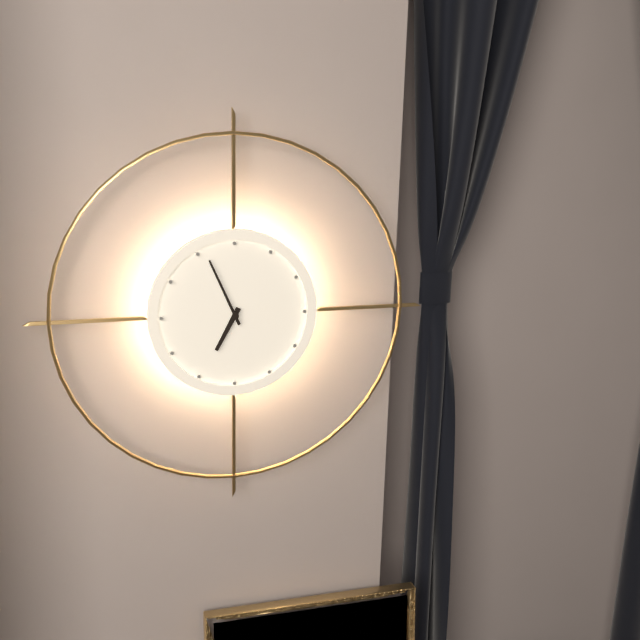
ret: 6:56
